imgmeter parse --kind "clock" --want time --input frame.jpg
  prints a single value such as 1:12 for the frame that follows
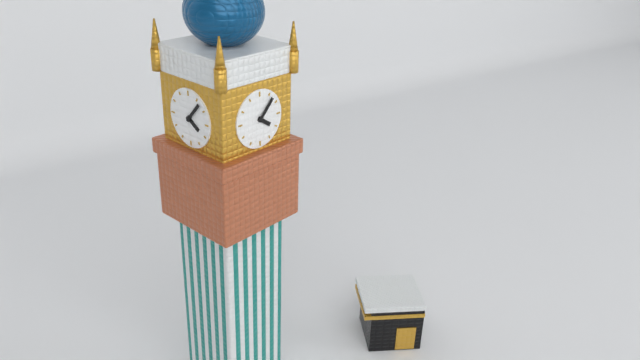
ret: 4:07
